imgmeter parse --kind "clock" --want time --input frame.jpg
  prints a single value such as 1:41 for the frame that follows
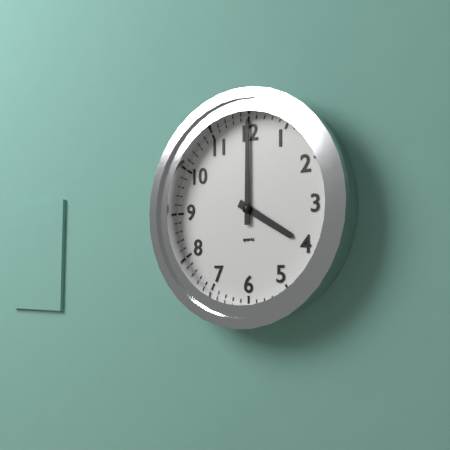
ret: 4:00
